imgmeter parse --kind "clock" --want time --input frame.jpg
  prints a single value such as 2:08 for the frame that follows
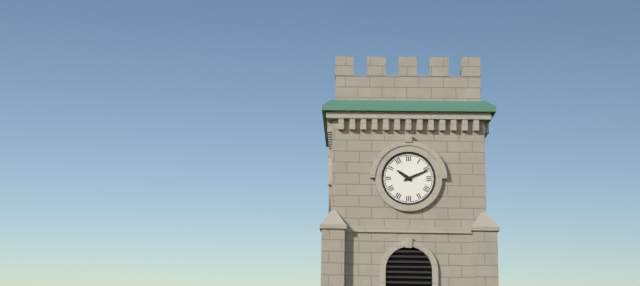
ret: 10:11
